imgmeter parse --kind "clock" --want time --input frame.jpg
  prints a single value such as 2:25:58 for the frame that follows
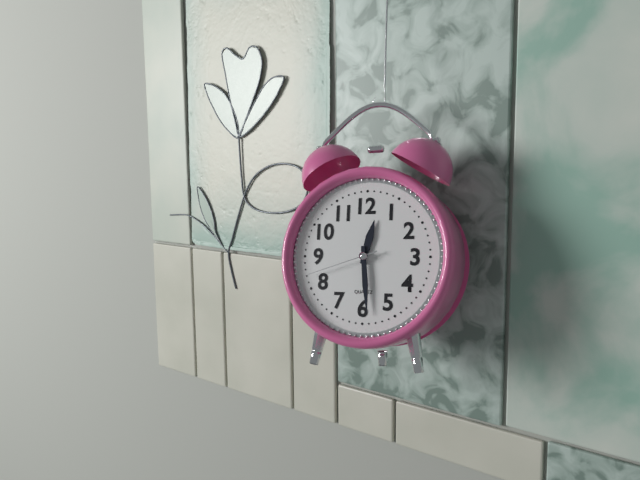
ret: 12:29:42
